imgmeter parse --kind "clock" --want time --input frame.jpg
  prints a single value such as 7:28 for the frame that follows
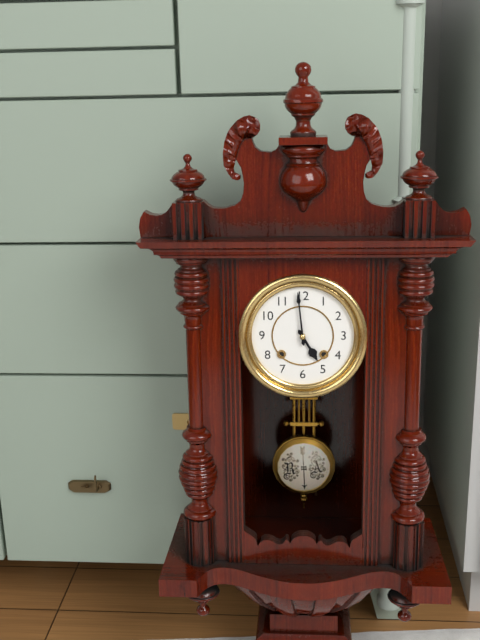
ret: 4:59
